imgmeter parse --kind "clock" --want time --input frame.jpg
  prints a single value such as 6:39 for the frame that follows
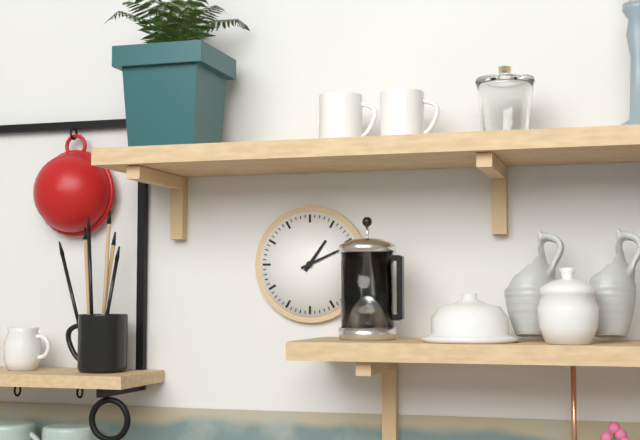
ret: 1:11
